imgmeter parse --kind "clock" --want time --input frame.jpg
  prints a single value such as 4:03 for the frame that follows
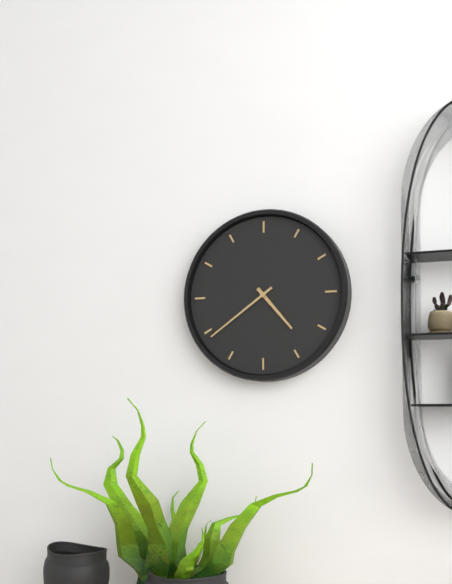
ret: 4:39
